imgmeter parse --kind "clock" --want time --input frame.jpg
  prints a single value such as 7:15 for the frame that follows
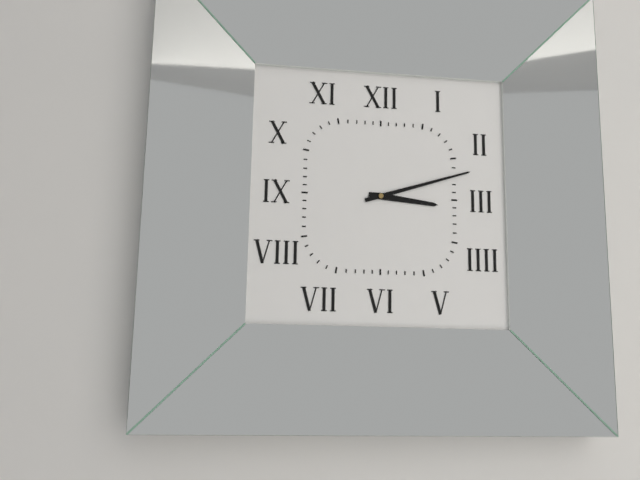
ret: 3:12
